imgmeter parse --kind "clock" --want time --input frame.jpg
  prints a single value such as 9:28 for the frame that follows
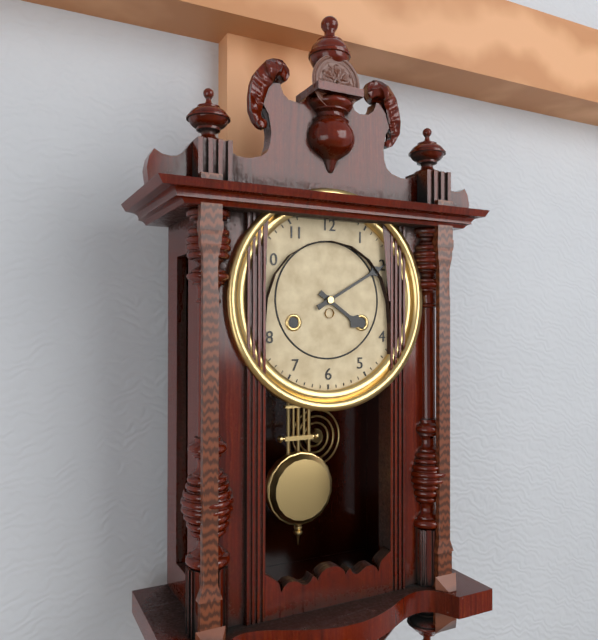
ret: 4:10
